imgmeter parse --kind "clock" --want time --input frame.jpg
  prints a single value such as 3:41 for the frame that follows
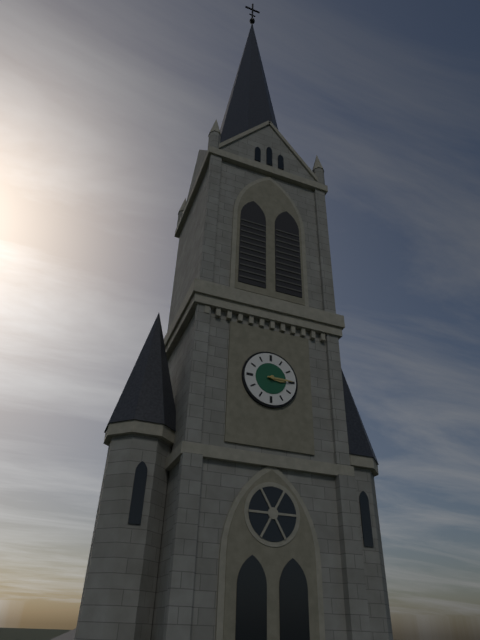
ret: 3:15
